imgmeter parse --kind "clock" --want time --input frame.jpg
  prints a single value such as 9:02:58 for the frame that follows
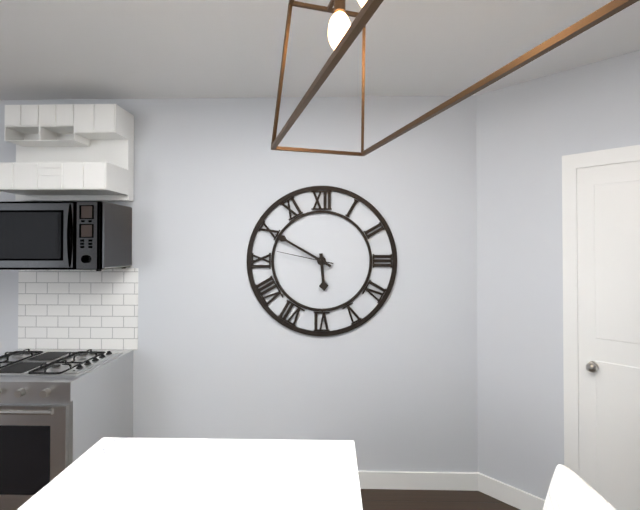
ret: 5:50:47
